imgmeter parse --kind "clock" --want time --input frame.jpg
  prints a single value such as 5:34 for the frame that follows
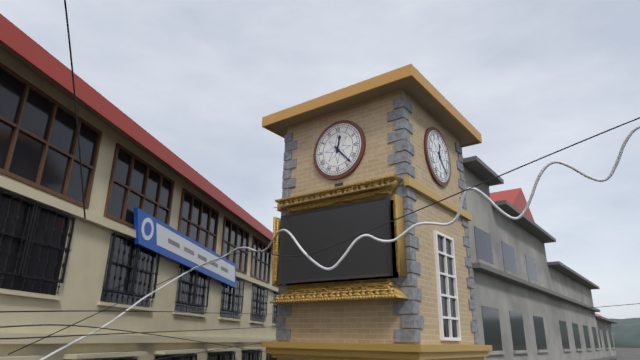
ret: 12:23
